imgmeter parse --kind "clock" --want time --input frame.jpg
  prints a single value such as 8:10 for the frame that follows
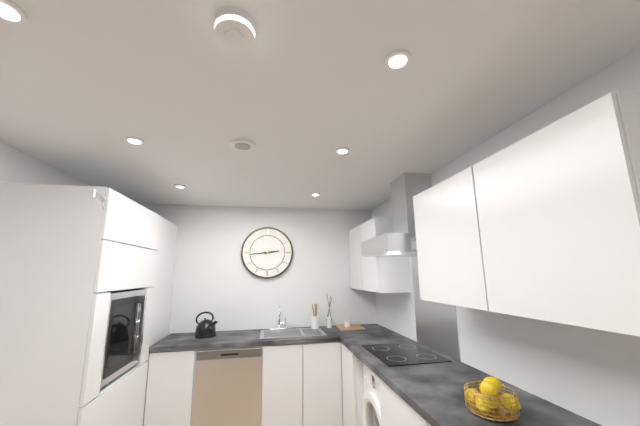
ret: 2:44
